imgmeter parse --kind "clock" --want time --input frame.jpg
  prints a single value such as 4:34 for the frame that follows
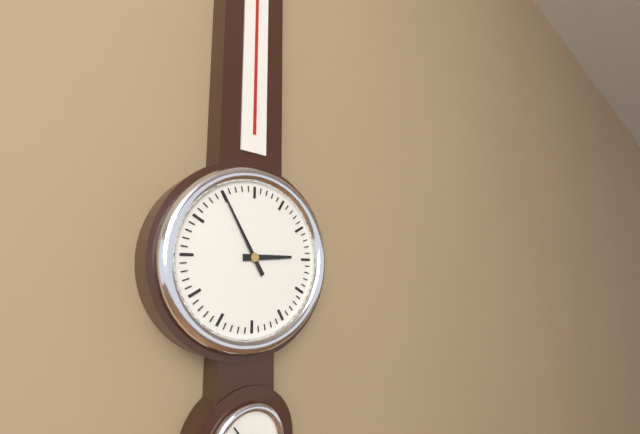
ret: 2:55
